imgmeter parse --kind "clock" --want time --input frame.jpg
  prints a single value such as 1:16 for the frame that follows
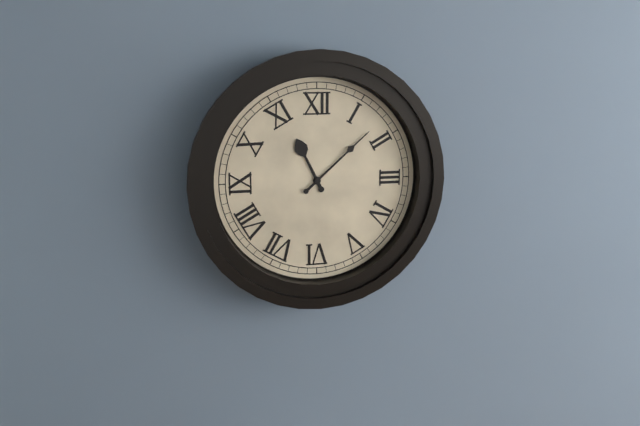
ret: 11:08
